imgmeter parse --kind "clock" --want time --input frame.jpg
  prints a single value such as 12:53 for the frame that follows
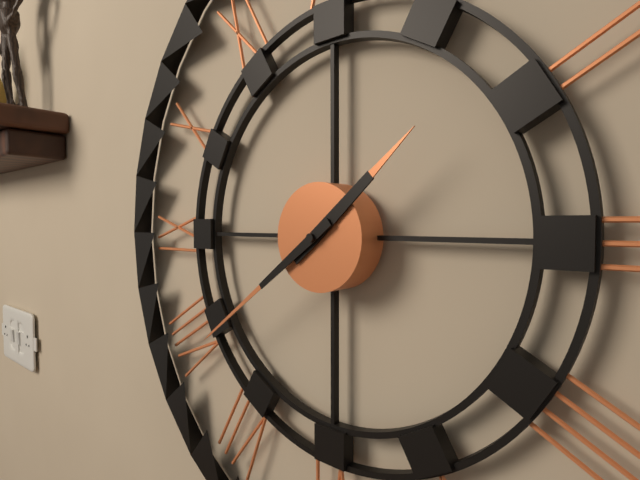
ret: 1:39
